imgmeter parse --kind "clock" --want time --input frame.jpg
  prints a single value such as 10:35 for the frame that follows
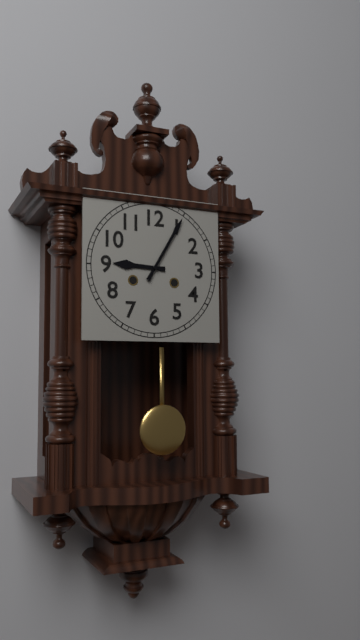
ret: 9:05
